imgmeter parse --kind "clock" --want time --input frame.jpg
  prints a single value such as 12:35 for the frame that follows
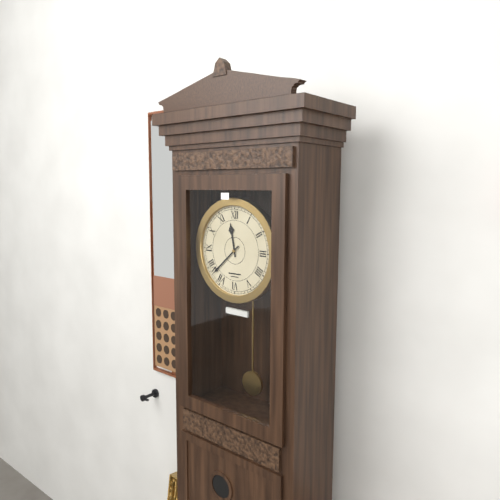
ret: 11:38
